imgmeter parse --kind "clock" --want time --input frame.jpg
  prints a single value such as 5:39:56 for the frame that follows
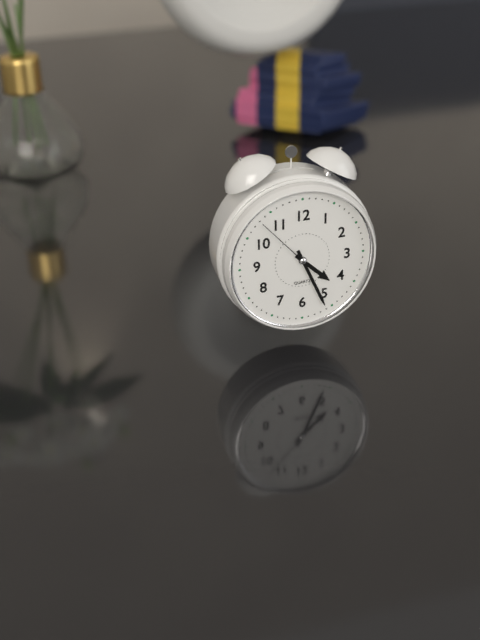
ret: 4:26:53
